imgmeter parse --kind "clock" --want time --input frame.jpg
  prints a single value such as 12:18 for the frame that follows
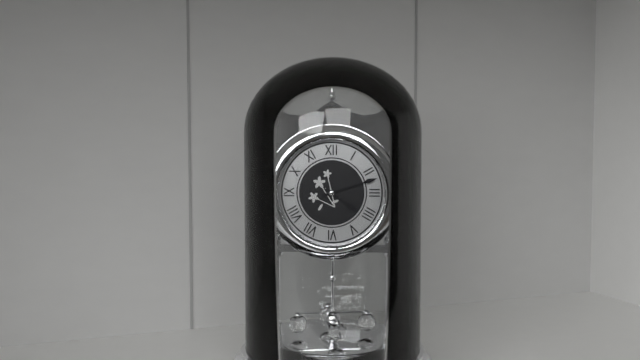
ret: 4:12
